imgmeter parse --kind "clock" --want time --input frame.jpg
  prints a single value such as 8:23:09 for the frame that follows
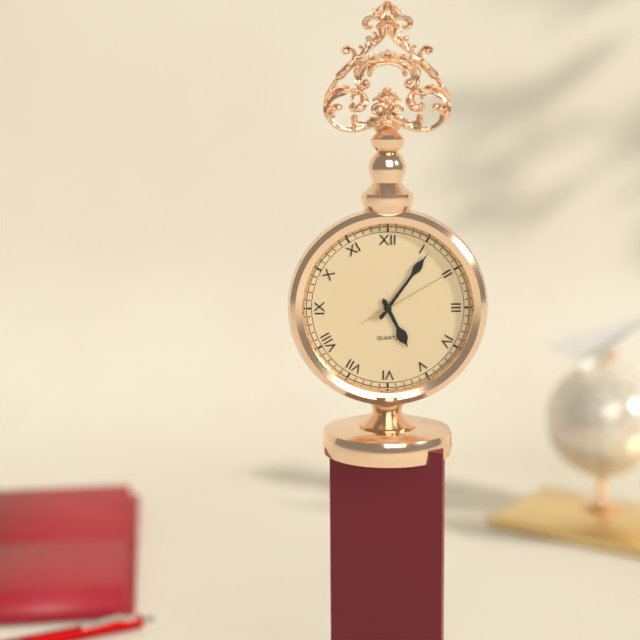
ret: 5:06:10
